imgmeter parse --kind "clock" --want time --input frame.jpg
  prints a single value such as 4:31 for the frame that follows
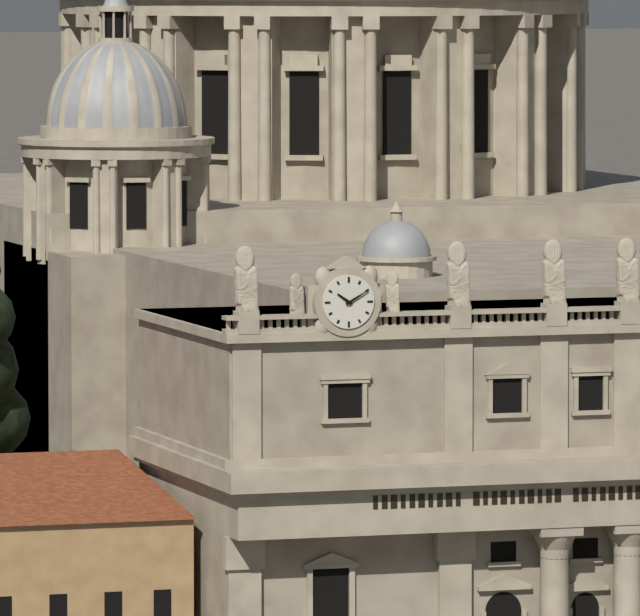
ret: 10:10
